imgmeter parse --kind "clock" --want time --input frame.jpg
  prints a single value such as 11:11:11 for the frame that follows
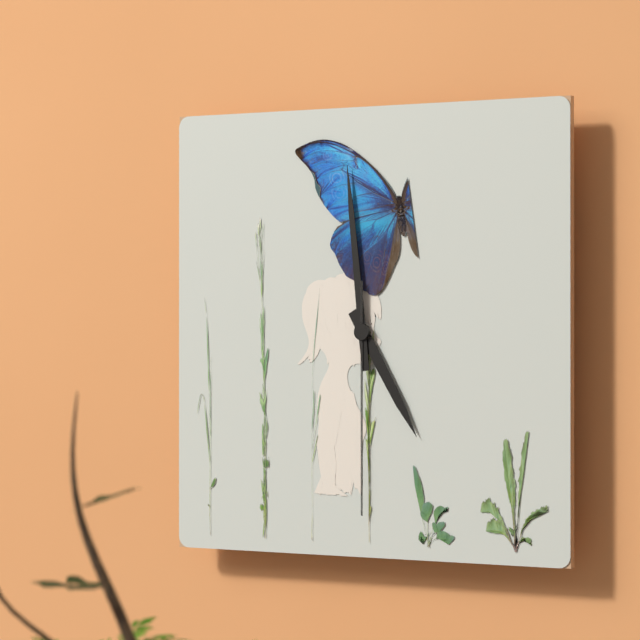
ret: 4:59:30
